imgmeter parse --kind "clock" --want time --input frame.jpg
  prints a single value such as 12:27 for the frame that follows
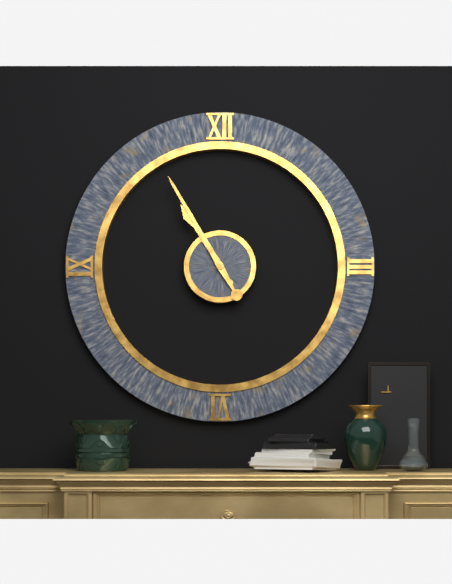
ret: 10:55
